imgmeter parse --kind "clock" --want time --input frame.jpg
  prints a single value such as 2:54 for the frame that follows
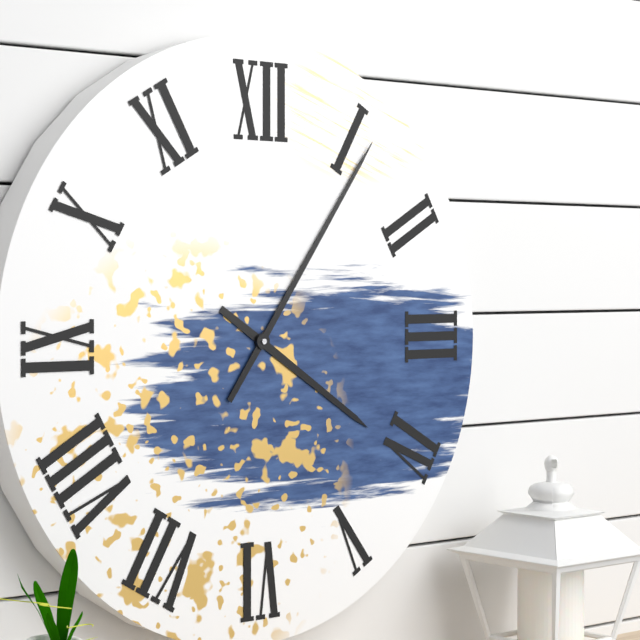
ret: 4:06
